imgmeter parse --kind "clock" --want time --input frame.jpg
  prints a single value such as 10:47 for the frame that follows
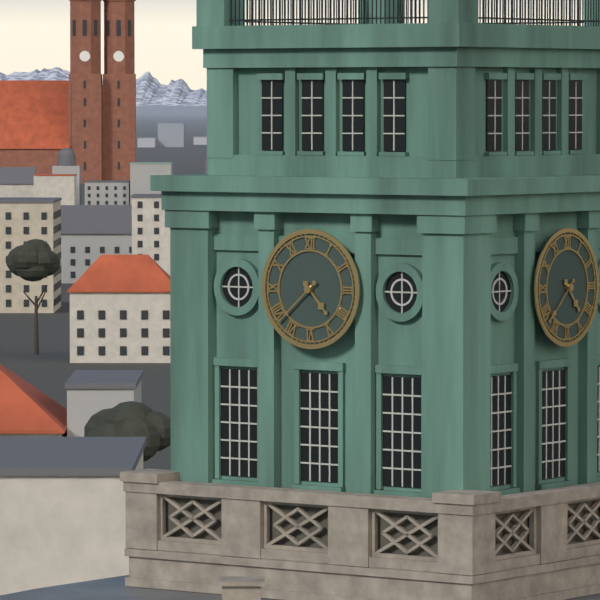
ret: 4:38
